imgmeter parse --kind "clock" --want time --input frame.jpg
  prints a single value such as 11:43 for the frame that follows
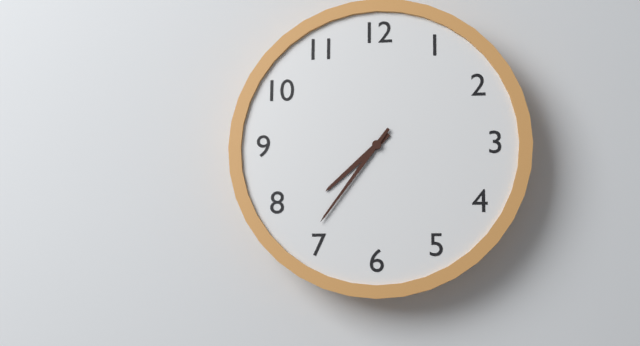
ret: 7:36
